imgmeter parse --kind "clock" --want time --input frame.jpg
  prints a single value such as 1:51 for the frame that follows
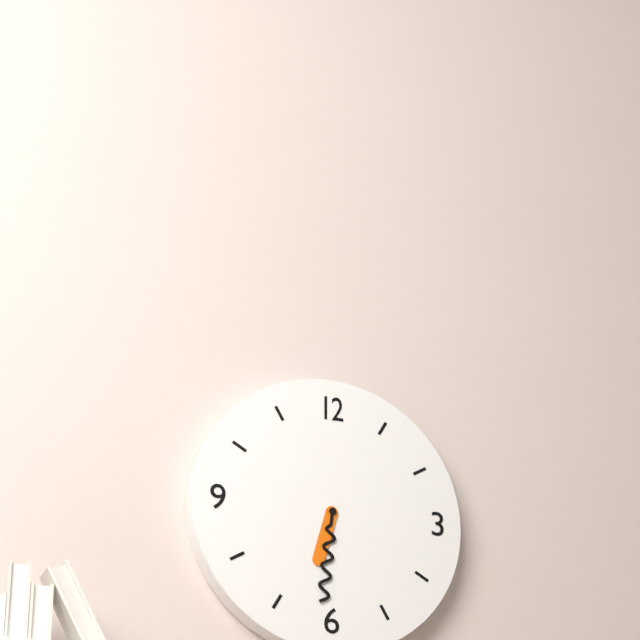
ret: 6:31
